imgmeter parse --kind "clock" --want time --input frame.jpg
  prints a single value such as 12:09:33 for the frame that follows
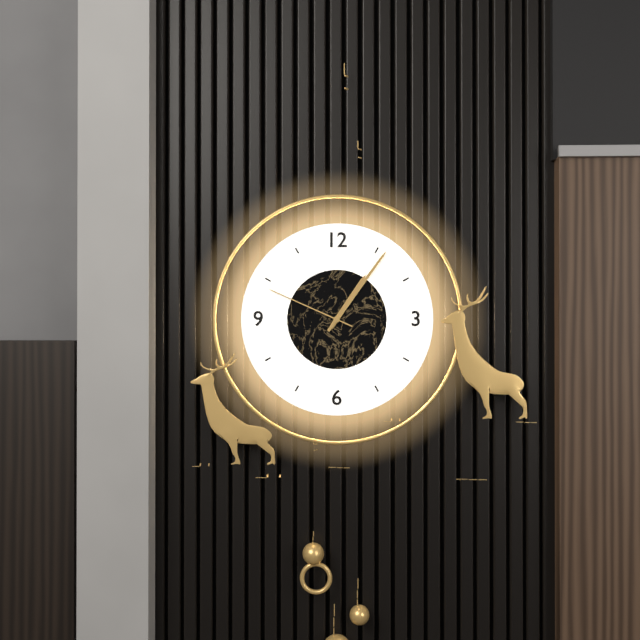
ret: 1:06:49
